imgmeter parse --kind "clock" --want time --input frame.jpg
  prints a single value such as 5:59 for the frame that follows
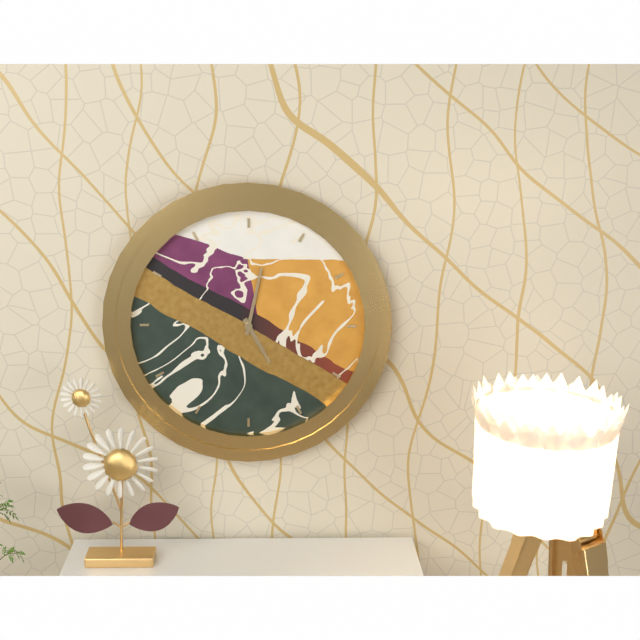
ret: 5:02
